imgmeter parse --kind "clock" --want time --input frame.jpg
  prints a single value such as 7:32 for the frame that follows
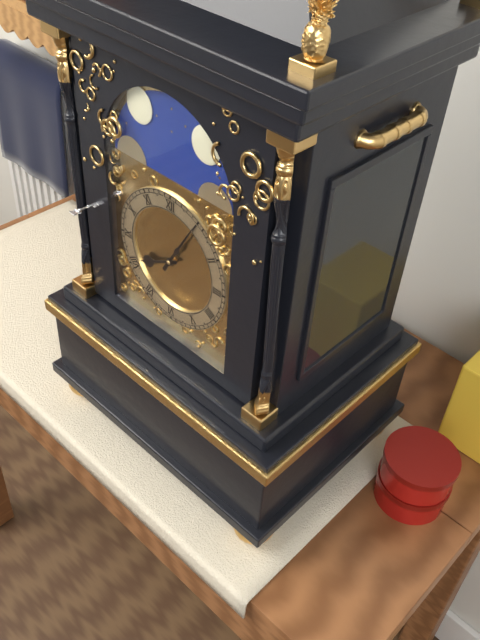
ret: 8:05
